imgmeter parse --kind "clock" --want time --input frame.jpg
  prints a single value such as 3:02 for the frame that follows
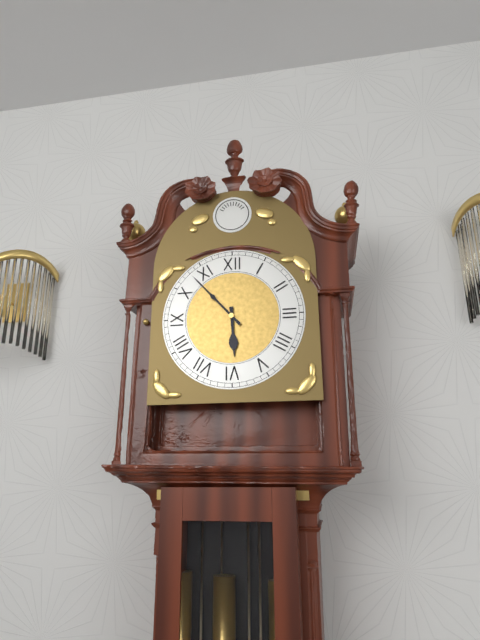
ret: 5:53
